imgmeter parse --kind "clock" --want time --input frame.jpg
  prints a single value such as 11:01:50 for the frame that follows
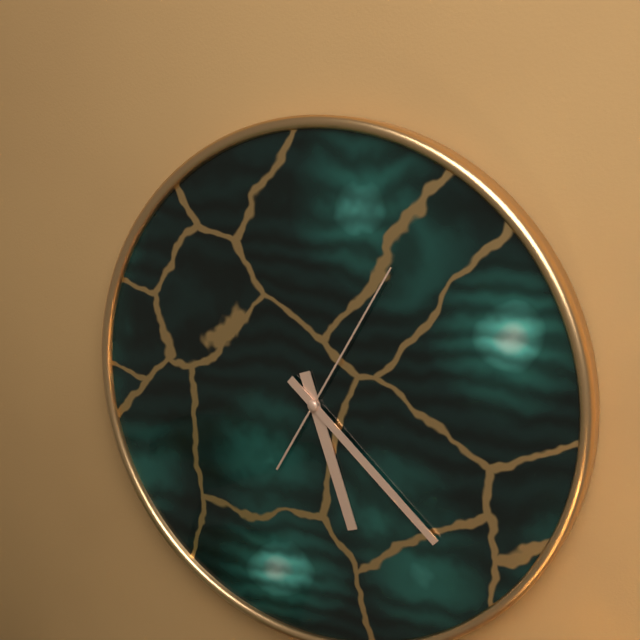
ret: 5:22:05
